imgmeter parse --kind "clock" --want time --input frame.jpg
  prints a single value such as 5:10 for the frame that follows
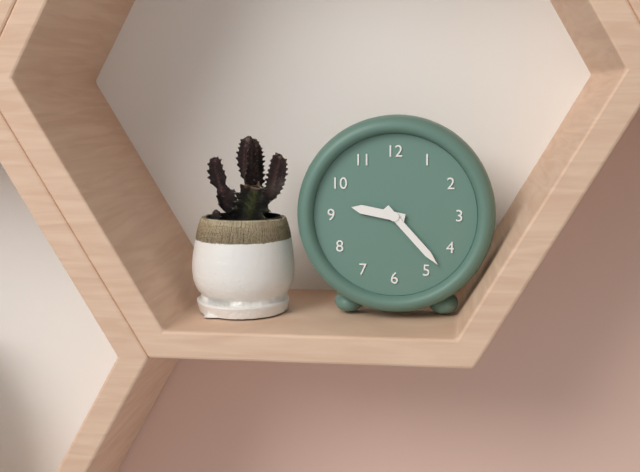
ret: 9:23
